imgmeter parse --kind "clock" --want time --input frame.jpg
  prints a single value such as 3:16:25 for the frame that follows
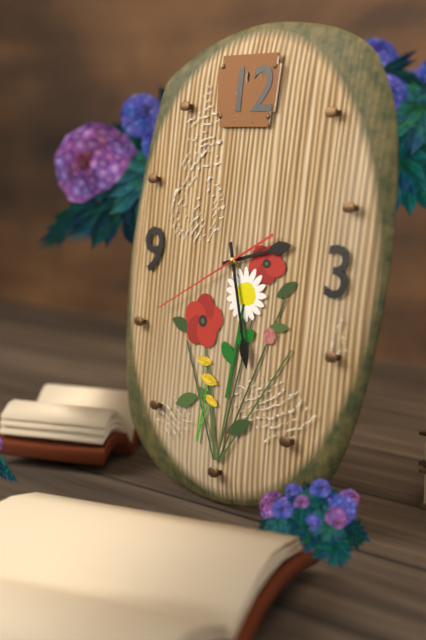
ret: 2:27:40
